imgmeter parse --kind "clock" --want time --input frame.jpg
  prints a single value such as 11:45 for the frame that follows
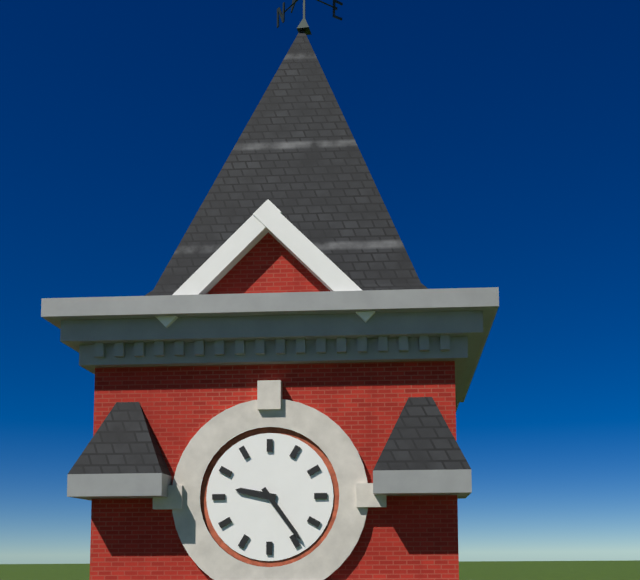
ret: 9:24
